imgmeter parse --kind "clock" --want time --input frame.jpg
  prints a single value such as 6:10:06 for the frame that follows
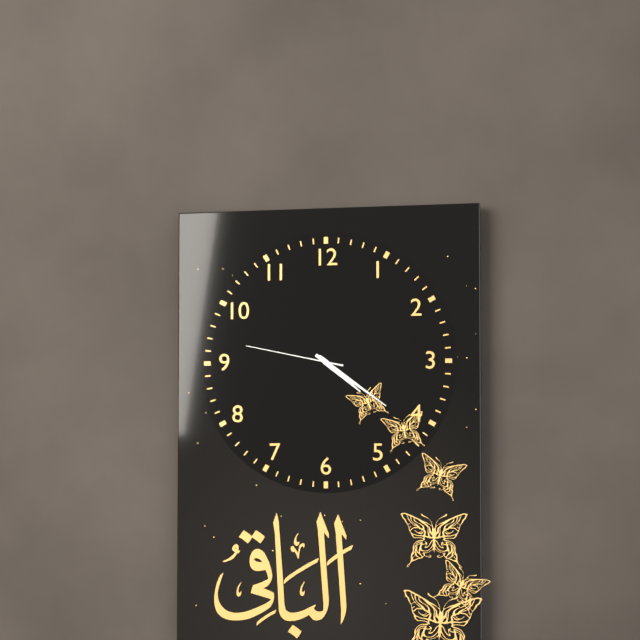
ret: 4:21:47
